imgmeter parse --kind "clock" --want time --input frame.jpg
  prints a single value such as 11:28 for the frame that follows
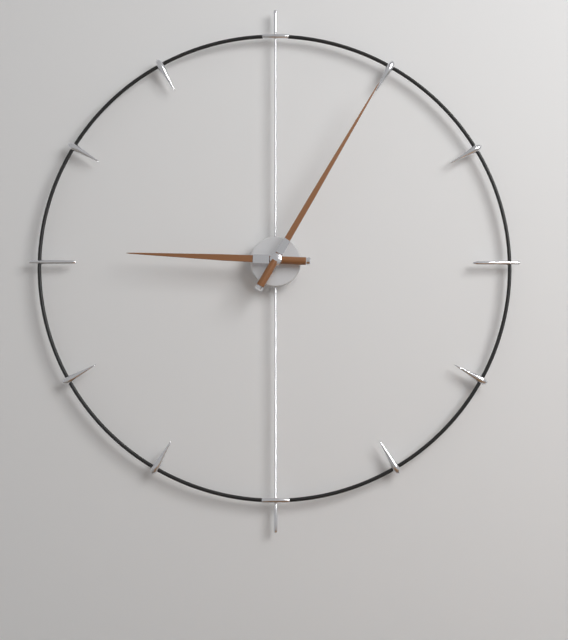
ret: 9:05
